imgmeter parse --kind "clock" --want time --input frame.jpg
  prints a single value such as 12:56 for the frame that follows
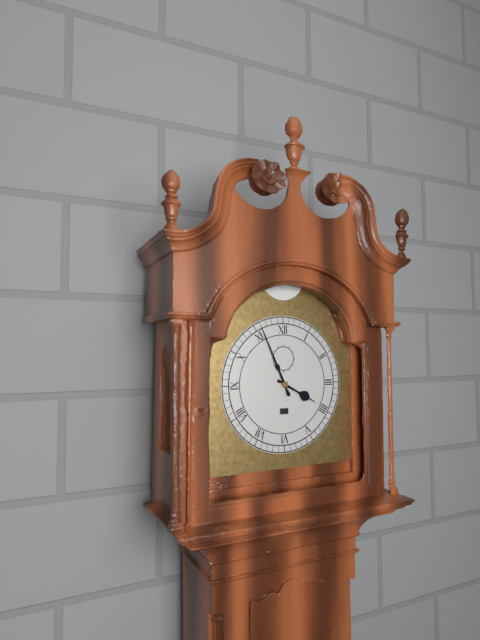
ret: 3:56
